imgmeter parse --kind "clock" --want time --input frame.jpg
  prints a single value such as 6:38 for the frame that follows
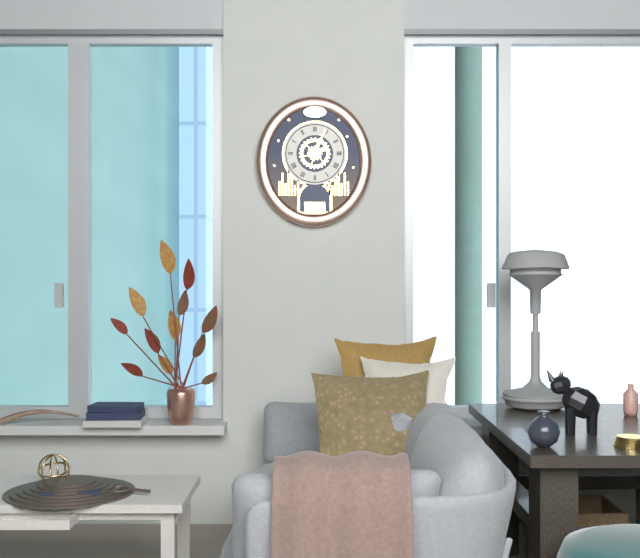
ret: 2:04
